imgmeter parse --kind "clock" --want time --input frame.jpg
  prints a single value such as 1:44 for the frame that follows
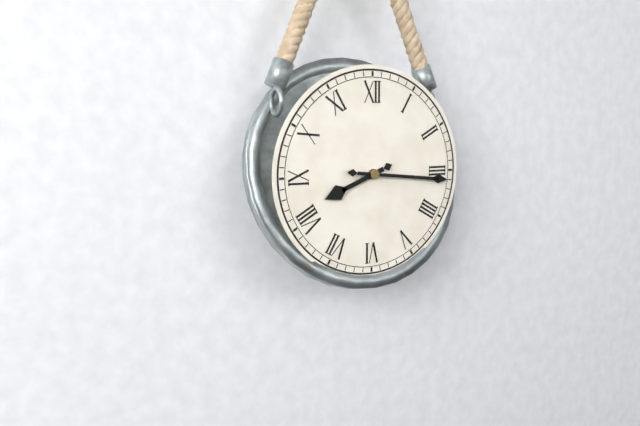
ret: 8:16
